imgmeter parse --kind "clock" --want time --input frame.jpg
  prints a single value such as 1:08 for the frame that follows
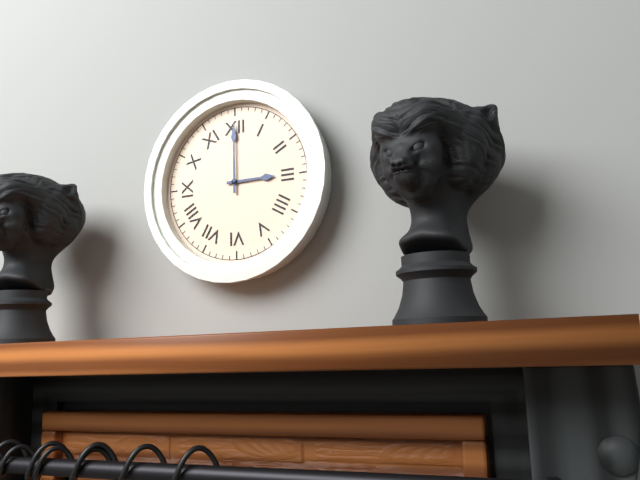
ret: 3:00
